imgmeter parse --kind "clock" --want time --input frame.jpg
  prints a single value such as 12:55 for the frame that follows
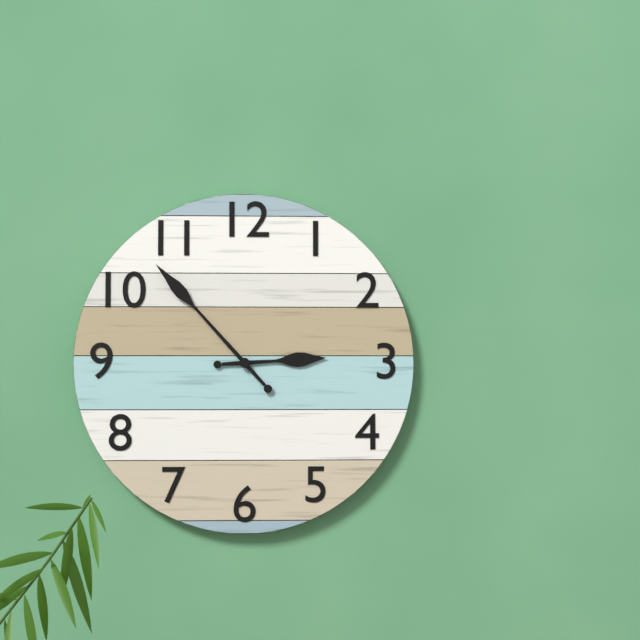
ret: 2:53
